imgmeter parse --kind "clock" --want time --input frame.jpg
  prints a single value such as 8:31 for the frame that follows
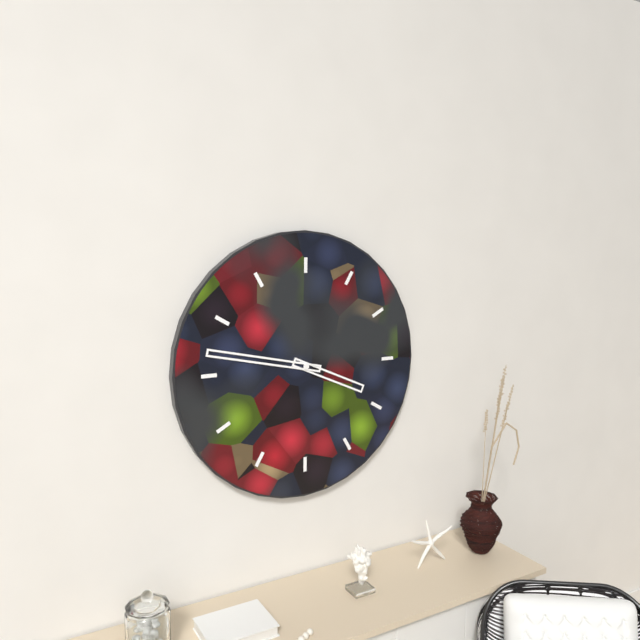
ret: 3:47
